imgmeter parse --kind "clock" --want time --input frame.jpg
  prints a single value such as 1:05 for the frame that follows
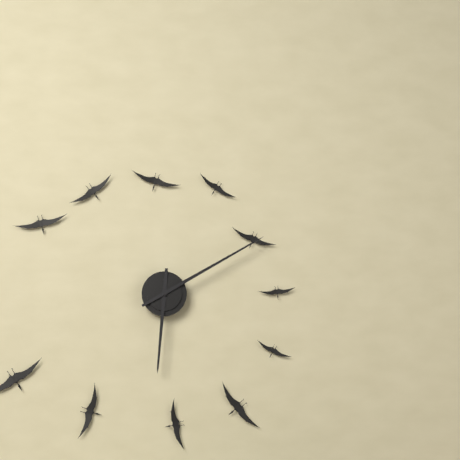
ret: 6:10
